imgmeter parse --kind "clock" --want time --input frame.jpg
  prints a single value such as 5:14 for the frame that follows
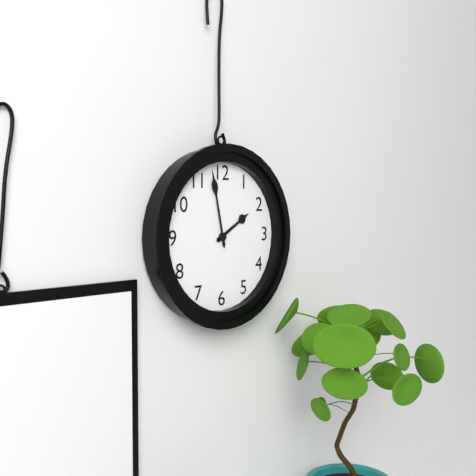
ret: 1:58
